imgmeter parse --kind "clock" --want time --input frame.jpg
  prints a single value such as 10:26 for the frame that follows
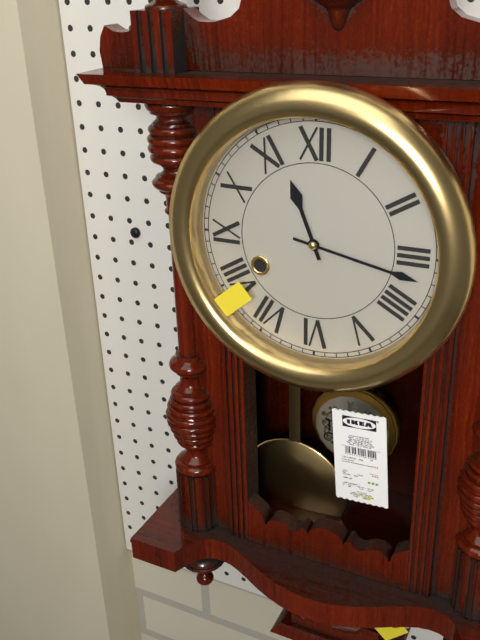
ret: 11:17
